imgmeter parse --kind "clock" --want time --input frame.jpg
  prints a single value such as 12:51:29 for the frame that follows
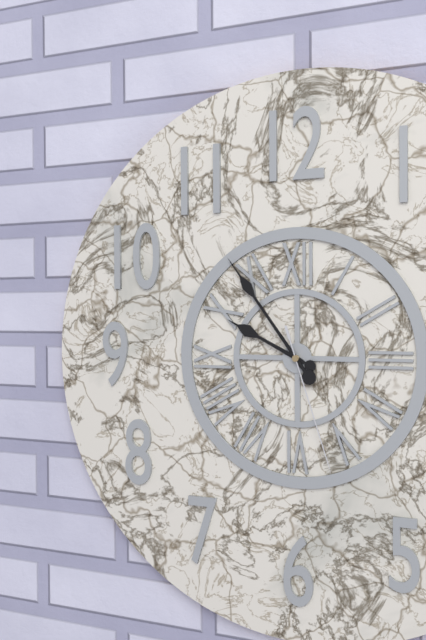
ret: 9:54:27
